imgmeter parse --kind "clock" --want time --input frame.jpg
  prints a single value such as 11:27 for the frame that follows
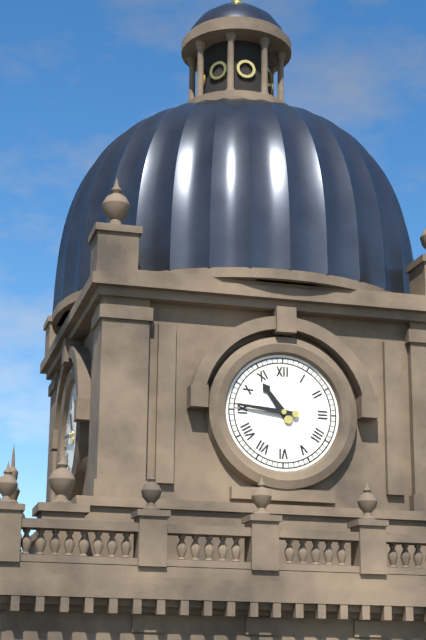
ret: 10:46
